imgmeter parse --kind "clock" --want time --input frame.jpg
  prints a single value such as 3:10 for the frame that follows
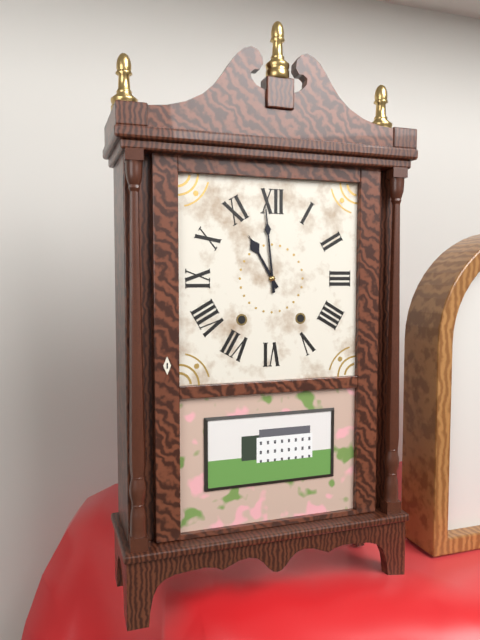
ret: 10:59
